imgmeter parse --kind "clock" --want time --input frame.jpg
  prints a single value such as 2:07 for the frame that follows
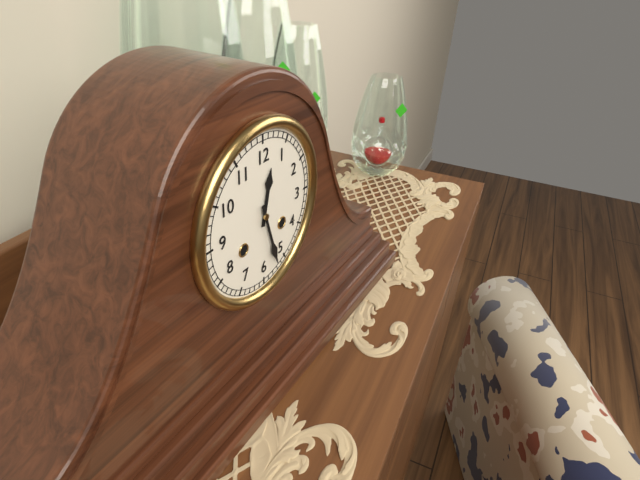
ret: 12:27
